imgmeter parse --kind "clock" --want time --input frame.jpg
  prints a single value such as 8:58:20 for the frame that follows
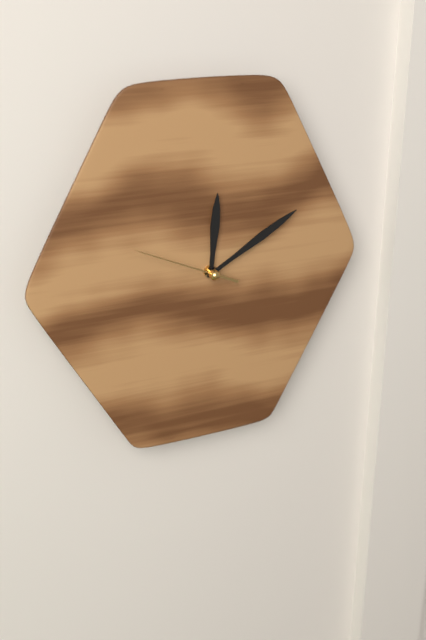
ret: 12:10:49
